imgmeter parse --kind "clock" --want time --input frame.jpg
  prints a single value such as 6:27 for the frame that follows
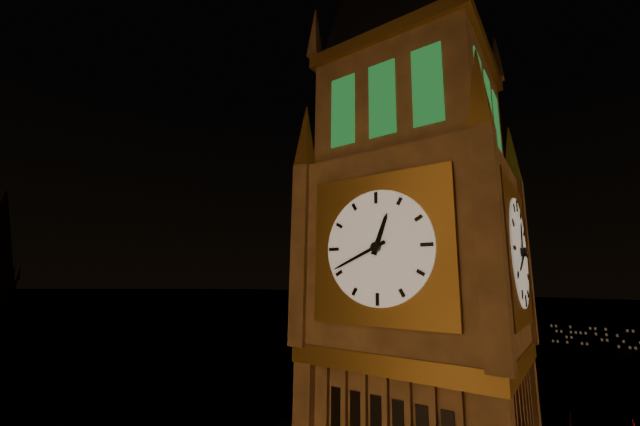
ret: 12:41
